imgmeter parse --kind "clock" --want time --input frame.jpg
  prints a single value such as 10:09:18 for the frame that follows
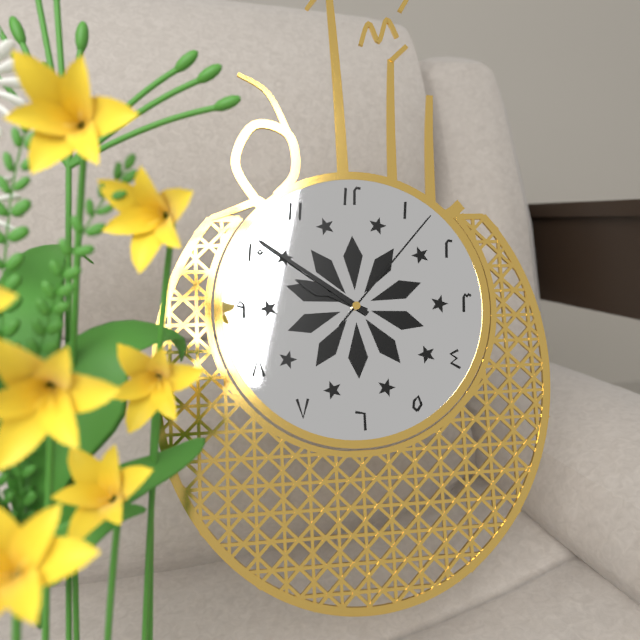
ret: 9:51:07
